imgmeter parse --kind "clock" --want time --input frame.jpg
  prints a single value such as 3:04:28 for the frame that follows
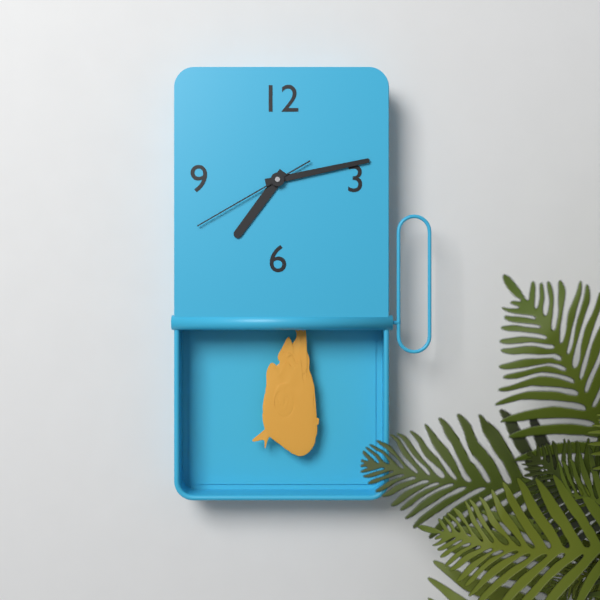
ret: 7:13:40
